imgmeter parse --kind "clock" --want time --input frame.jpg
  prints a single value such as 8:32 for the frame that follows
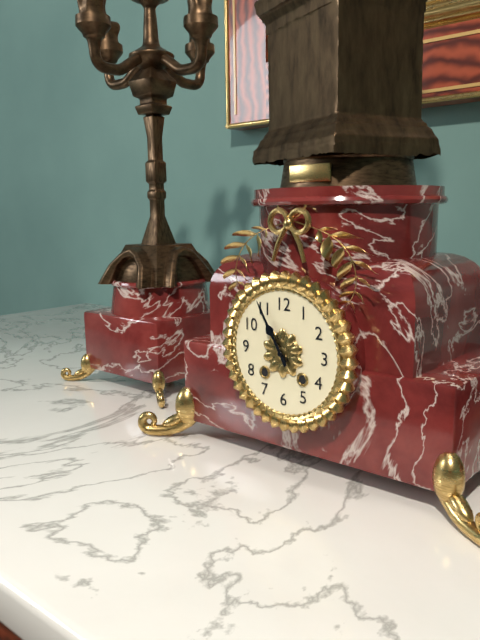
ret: 10:55
